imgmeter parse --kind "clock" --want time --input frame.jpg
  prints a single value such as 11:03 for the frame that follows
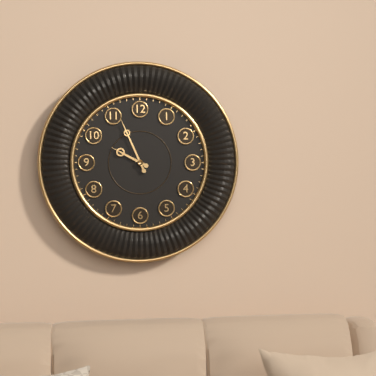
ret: 9:56
